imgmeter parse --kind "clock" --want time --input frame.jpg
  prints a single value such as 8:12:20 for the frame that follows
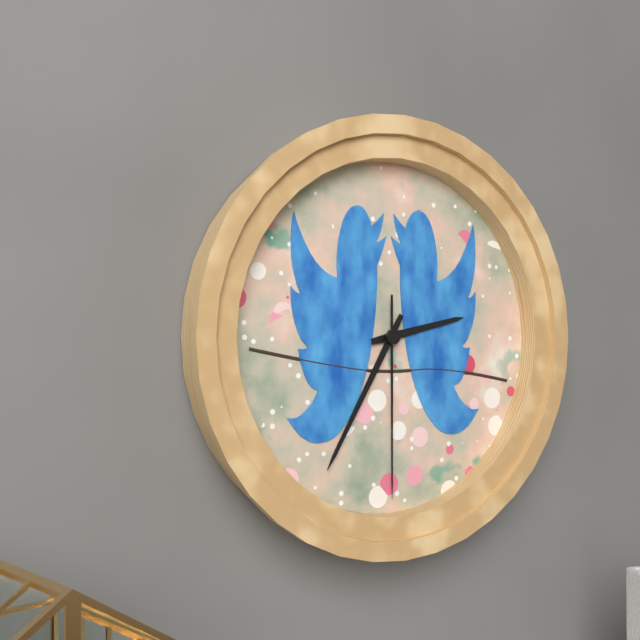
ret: 2:35:30
